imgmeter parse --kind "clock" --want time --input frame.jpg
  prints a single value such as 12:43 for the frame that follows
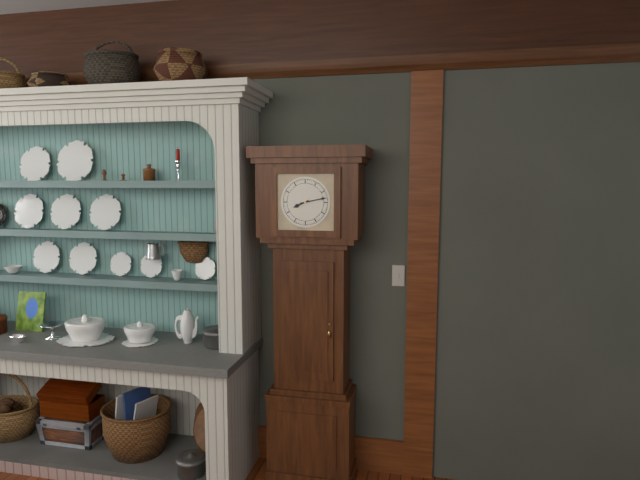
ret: 8:13
